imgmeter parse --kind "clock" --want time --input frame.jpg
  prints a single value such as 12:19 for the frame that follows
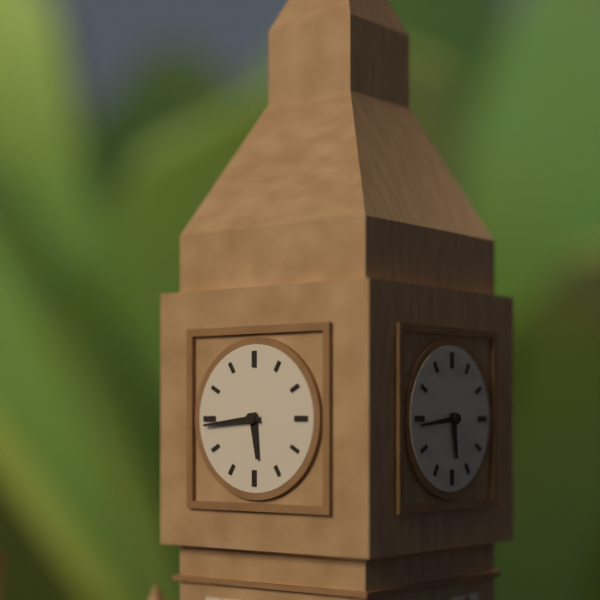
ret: 5:44
